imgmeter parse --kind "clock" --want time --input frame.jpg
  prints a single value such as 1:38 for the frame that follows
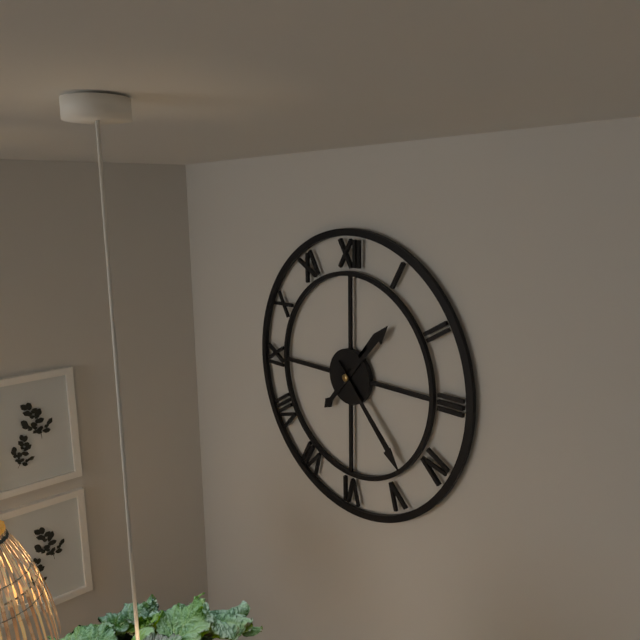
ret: 1:23
